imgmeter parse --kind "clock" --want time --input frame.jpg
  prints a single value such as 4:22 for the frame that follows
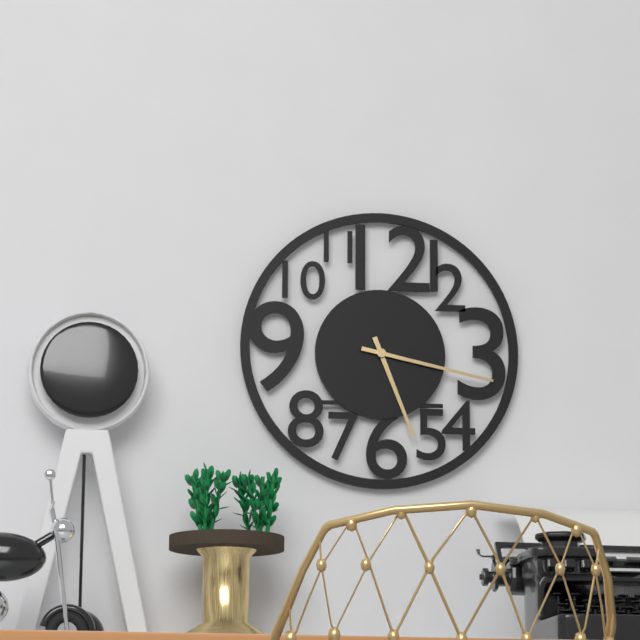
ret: 5:17
